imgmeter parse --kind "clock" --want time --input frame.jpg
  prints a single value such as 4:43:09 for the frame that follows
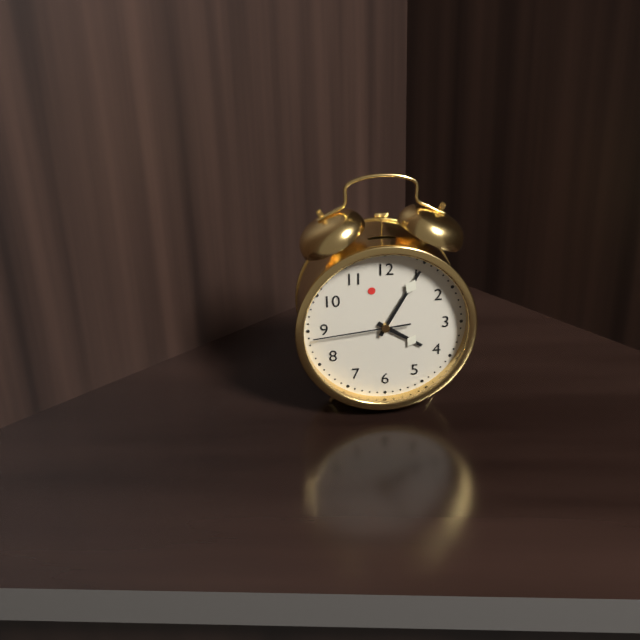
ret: 4:05:44
